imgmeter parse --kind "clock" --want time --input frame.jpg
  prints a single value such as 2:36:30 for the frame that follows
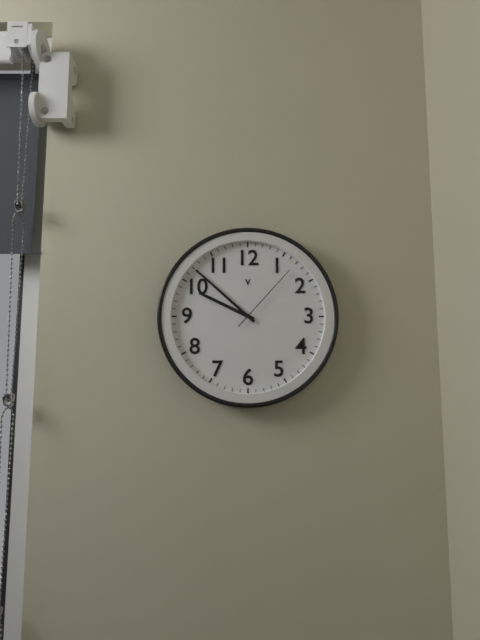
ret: 9:52:07
